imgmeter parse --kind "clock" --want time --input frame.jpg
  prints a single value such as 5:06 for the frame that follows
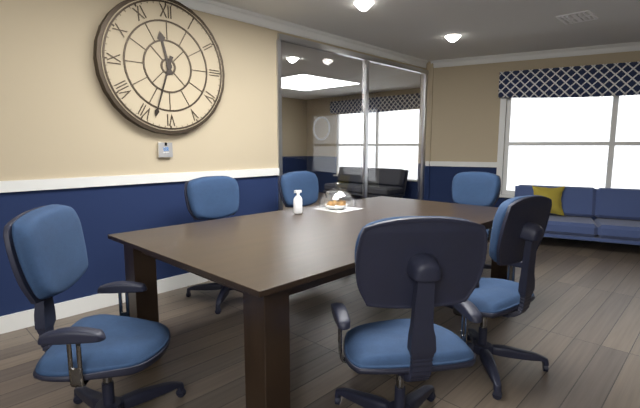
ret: 11:33
